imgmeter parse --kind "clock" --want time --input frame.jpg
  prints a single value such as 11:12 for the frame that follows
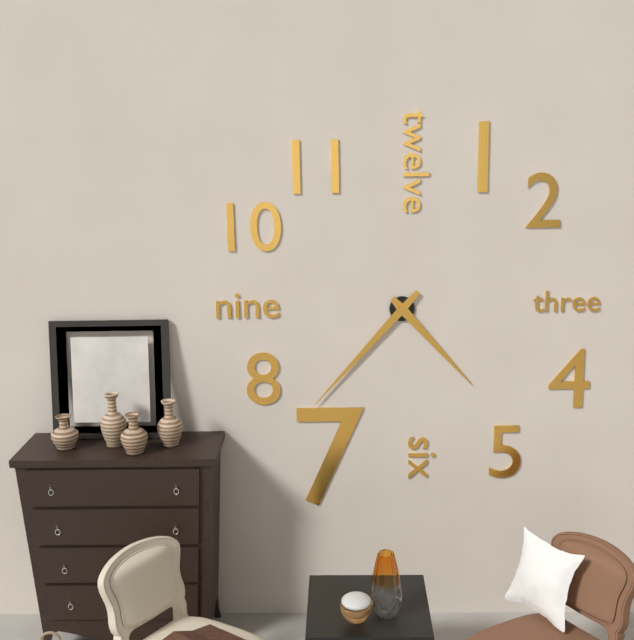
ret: 4:37
